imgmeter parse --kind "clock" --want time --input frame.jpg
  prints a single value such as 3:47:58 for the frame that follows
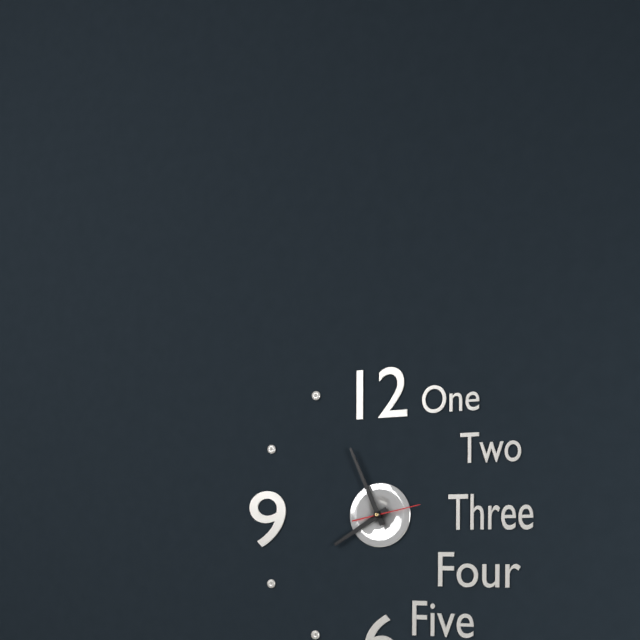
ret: 7:56:13
